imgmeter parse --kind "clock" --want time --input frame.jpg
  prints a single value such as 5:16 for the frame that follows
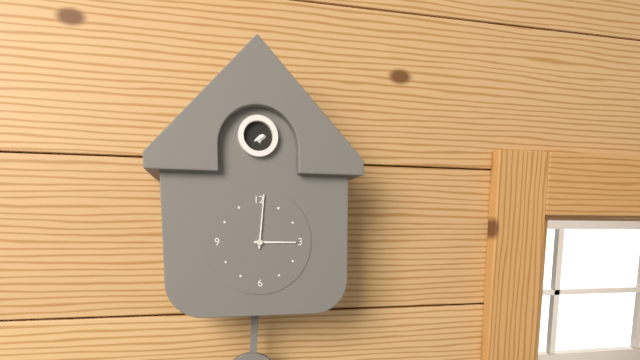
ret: 3:01
